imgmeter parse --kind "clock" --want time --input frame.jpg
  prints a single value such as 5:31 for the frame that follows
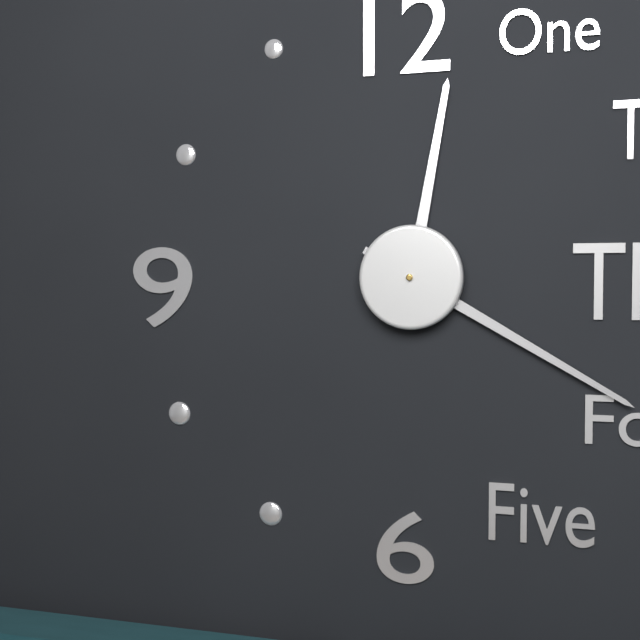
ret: 12:20
